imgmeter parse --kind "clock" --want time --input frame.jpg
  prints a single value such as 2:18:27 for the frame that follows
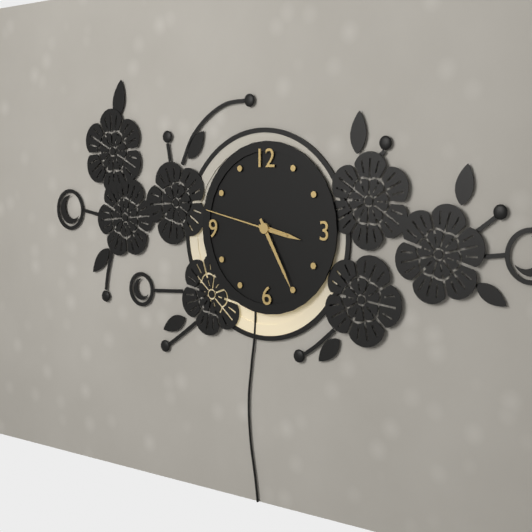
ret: 3:25:47
